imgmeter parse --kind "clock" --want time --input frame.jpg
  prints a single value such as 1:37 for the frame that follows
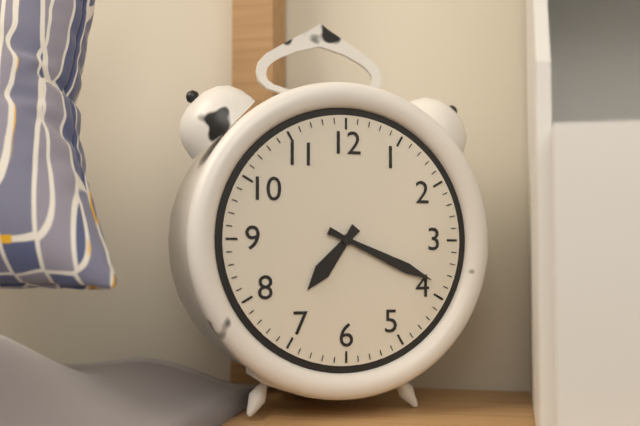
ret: 7:19
